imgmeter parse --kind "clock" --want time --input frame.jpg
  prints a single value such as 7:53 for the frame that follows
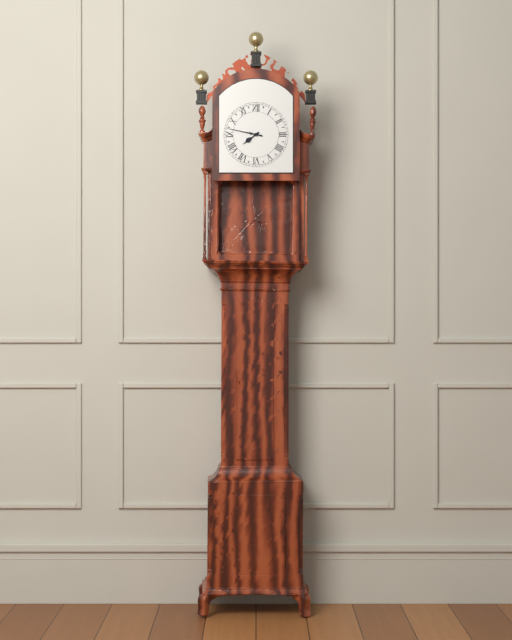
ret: 7:47
